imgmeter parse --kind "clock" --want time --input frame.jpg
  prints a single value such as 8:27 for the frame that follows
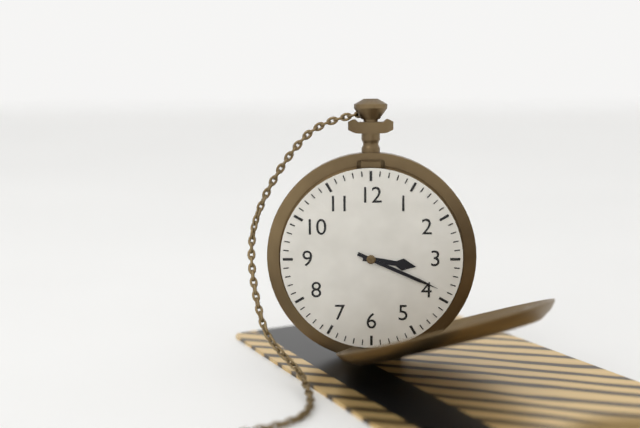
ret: 3:19
